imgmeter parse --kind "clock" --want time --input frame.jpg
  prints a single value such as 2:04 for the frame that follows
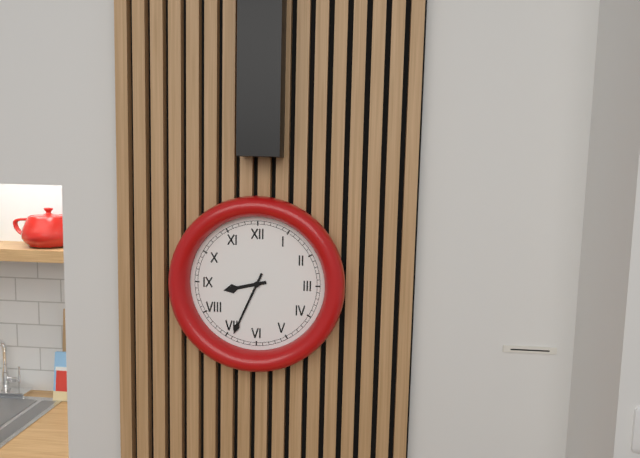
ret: 8:34
